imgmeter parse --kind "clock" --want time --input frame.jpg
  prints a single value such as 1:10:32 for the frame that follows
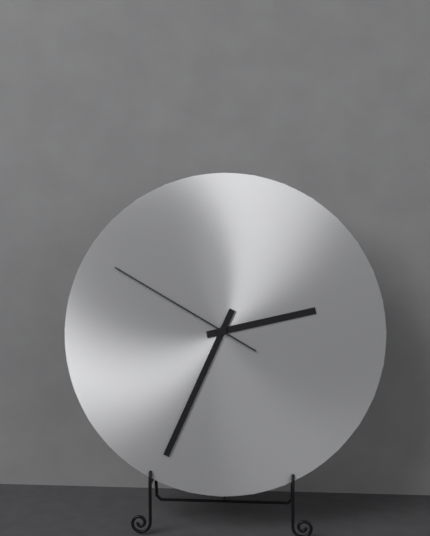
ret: 2:34:50
